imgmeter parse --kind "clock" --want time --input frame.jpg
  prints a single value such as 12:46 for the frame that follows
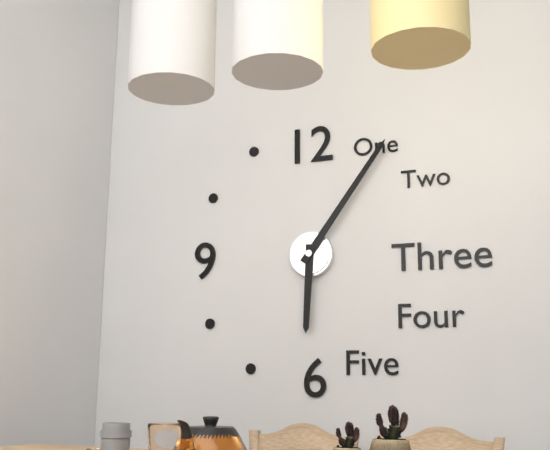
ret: 6:06
